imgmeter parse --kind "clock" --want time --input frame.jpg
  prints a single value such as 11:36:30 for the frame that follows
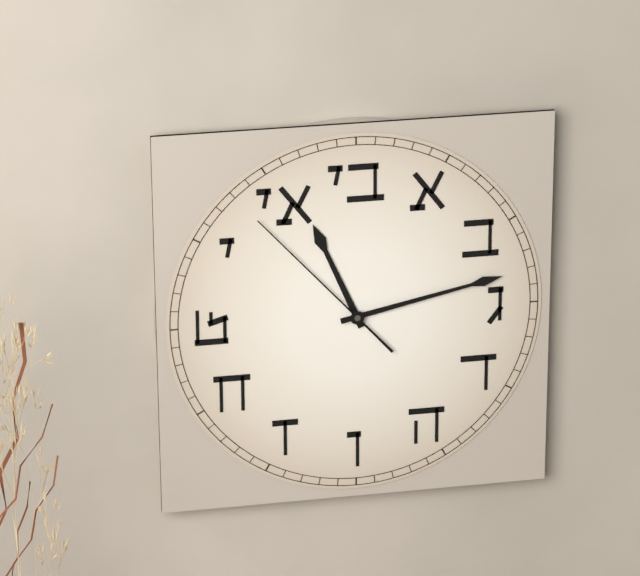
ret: 11:13:53
